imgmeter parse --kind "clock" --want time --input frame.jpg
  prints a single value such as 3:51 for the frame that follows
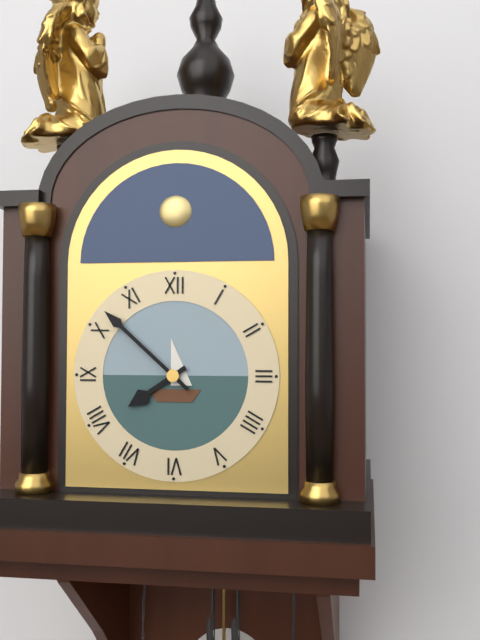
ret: 7:52
